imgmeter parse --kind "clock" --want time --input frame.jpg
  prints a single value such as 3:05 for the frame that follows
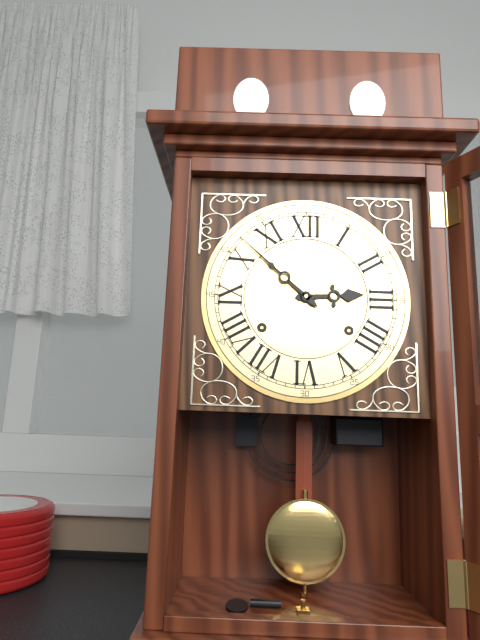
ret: 2:52
